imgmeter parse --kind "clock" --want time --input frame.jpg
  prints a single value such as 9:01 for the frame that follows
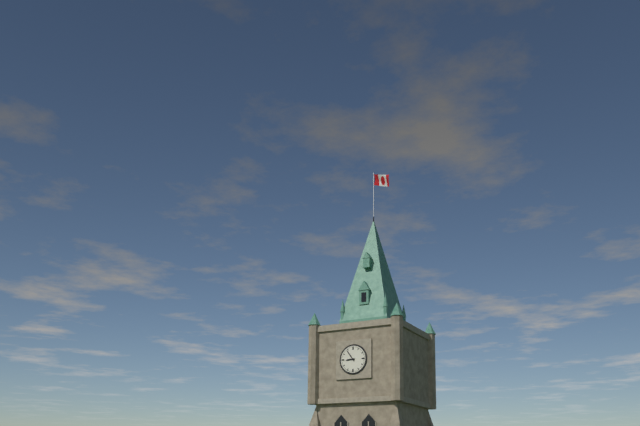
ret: 8:54
